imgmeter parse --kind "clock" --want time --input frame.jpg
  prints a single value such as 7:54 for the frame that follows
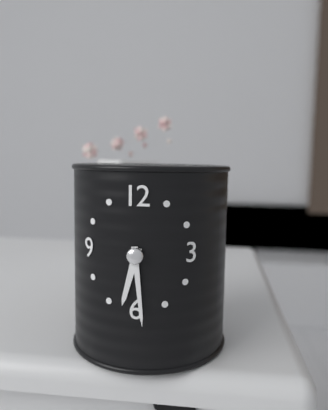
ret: 6:29
